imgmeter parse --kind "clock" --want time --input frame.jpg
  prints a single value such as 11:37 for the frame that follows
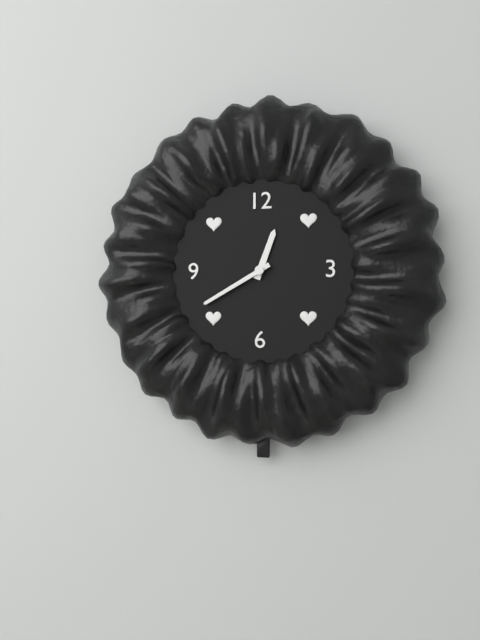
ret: 12:40
